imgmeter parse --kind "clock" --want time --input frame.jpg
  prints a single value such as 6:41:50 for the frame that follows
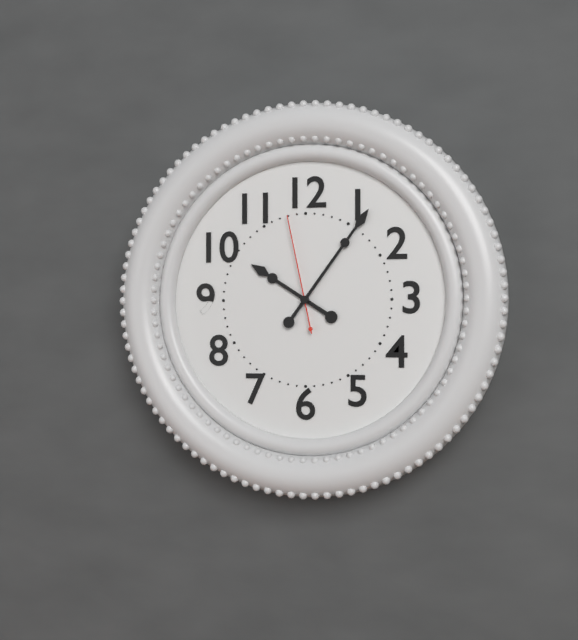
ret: 10:06:58
